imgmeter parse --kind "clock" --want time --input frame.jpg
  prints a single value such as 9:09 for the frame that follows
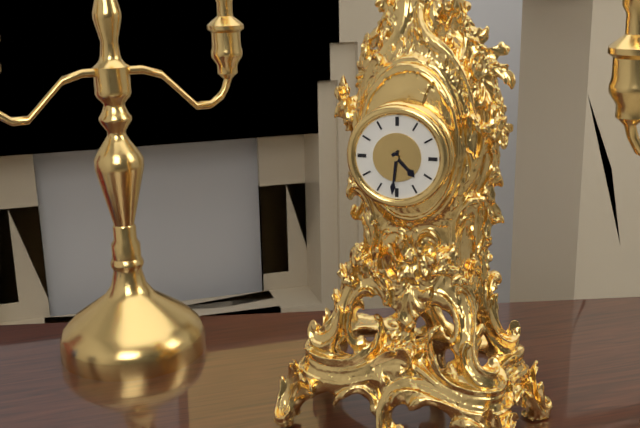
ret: 4:31
